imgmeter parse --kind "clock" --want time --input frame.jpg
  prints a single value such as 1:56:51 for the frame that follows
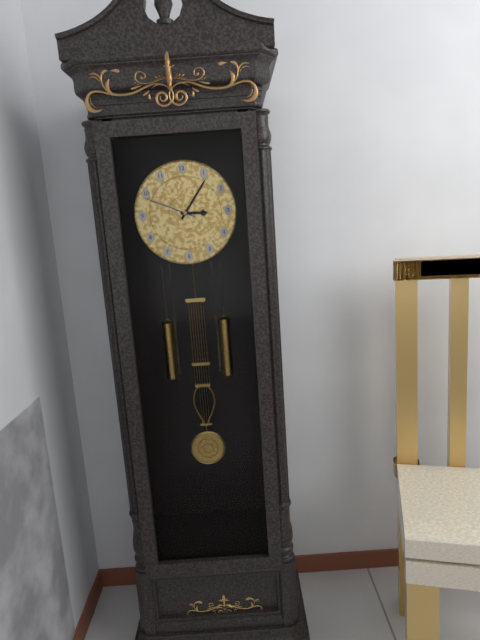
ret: 3:06:49
